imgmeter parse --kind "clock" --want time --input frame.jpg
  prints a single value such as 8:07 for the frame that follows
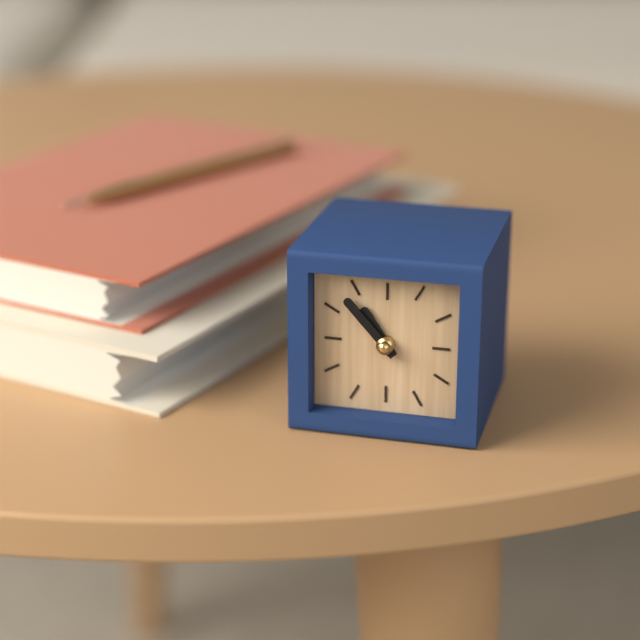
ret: 10:53
